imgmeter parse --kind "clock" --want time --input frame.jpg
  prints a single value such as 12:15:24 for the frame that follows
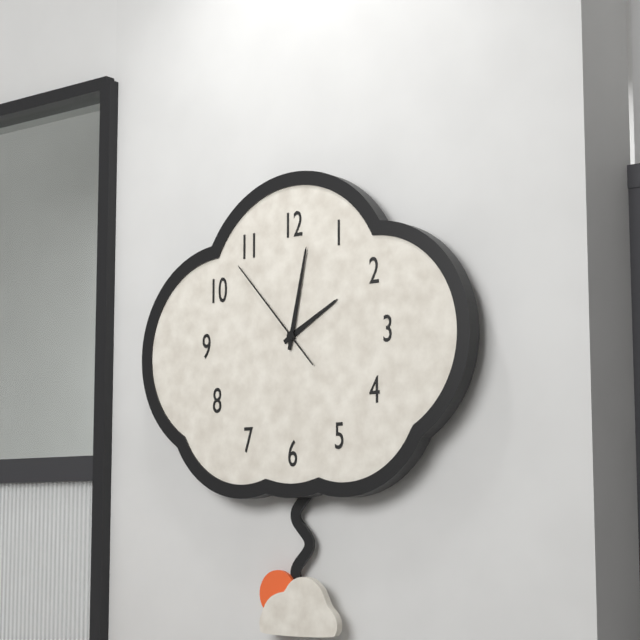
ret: 2:02:53
